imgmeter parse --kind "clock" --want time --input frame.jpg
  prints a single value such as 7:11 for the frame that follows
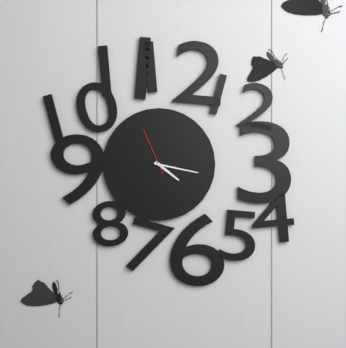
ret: 4:17
